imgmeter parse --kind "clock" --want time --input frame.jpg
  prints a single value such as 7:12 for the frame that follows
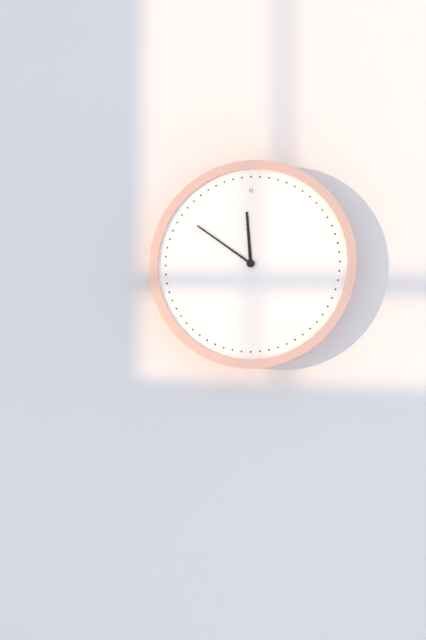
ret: 11:51
